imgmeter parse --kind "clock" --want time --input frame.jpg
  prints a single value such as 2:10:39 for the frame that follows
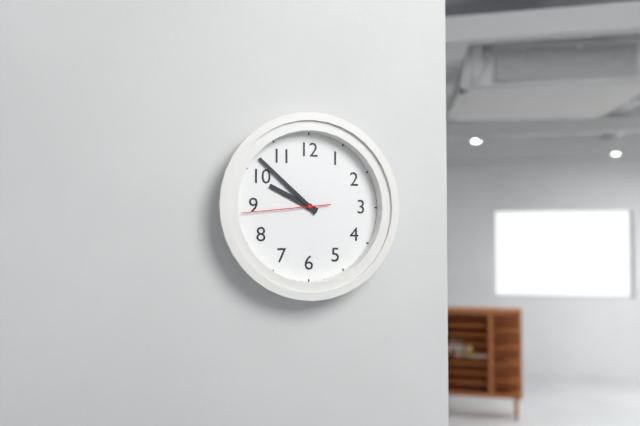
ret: 9:52:44
